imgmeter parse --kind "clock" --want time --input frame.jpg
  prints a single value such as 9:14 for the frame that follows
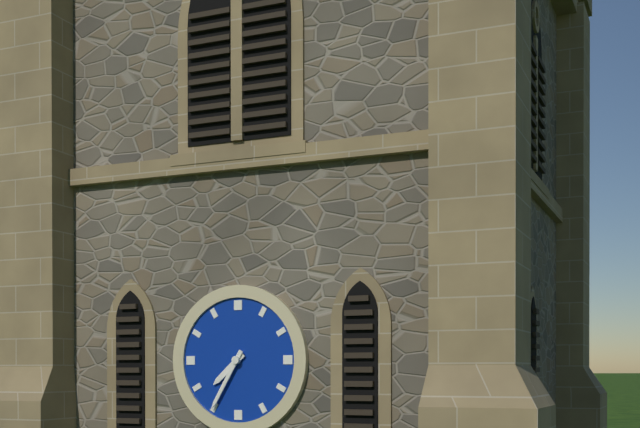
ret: 7:35
